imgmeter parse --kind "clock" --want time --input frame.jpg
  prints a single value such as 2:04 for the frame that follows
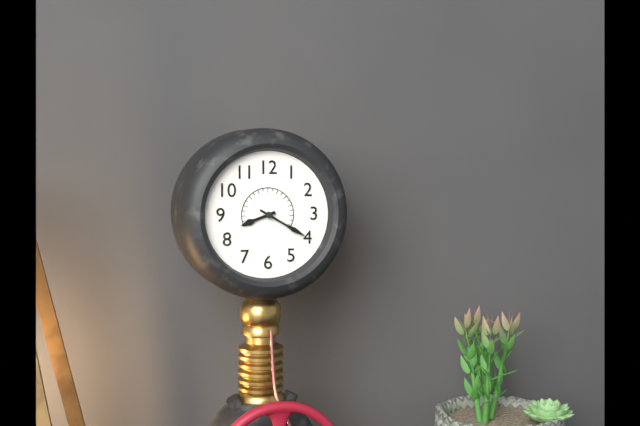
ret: 8:20
